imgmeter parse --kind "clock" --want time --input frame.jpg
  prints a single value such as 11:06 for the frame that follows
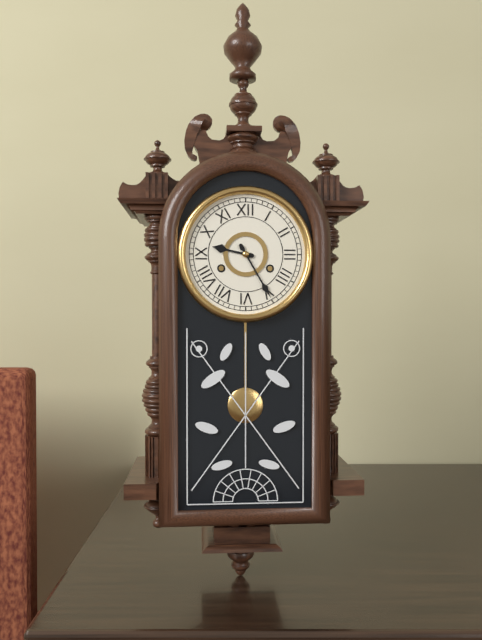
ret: 9:25
